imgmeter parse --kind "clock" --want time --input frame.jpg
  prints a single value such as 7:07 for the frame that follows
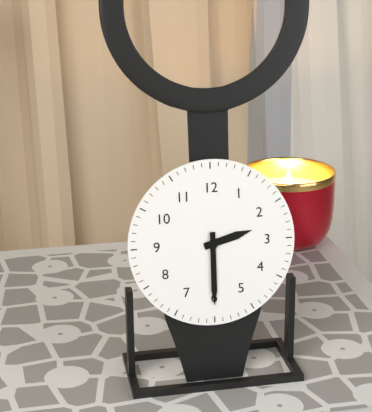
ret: 2:30
